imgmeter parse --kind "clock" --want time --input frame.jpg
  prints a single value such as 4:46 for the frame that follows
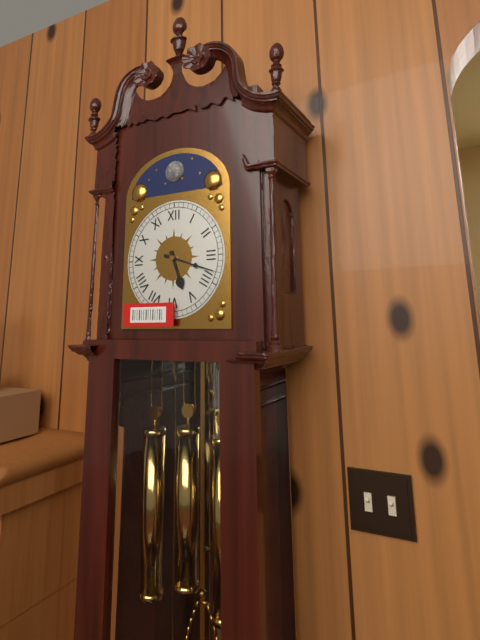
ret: 5:18
